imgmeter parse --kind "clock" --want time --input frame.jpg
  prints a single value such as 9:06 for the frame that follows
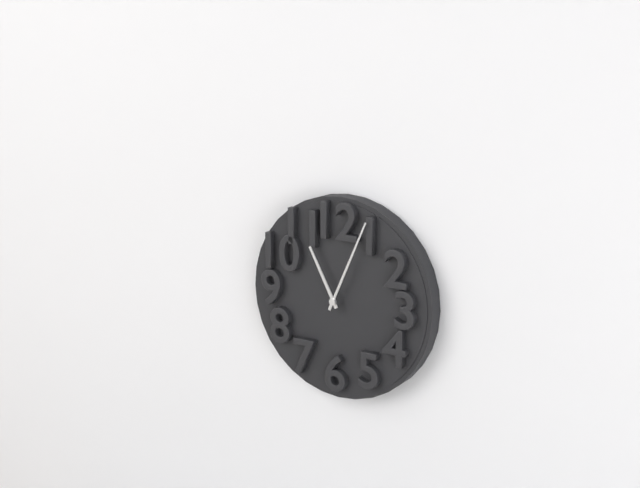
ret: 11:04
